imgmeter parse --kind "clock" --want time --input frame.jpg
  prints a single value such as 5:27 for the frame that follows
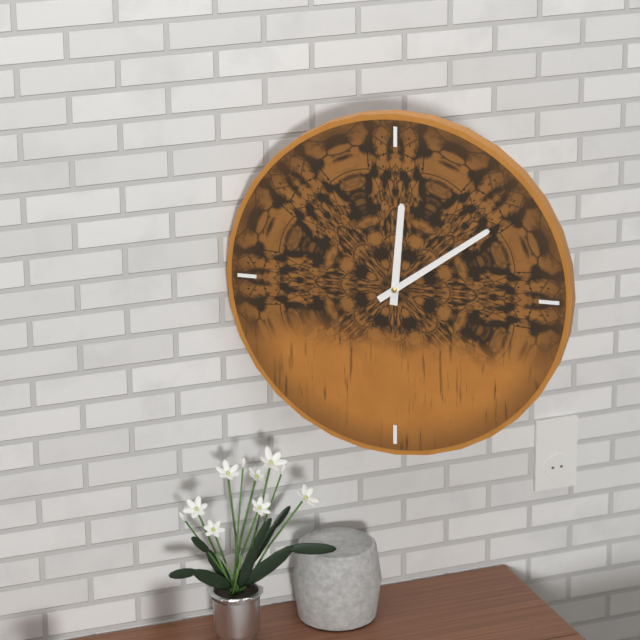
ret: 12:09
